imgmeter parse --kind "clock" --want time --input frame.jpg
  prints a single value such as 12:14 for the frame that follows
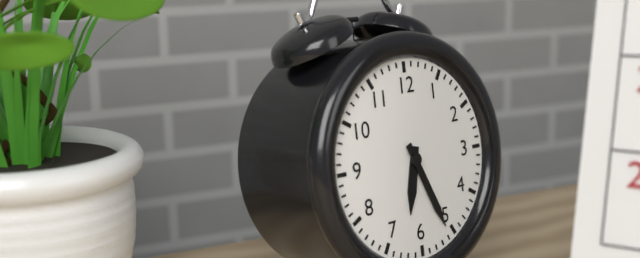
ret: 6:26
